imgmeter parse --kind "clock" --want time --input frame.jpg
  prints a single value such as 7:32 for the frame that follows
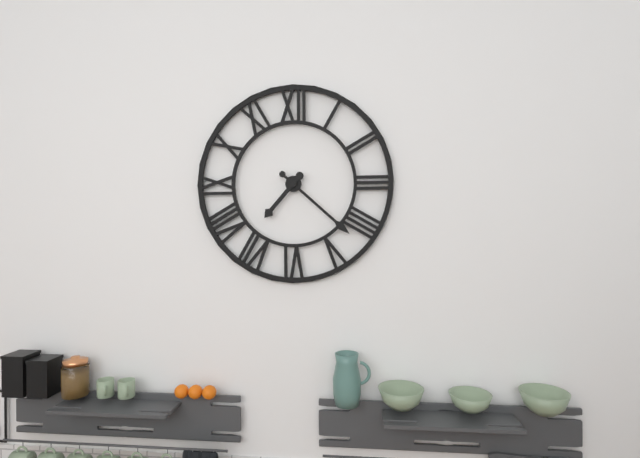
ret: 7:22
